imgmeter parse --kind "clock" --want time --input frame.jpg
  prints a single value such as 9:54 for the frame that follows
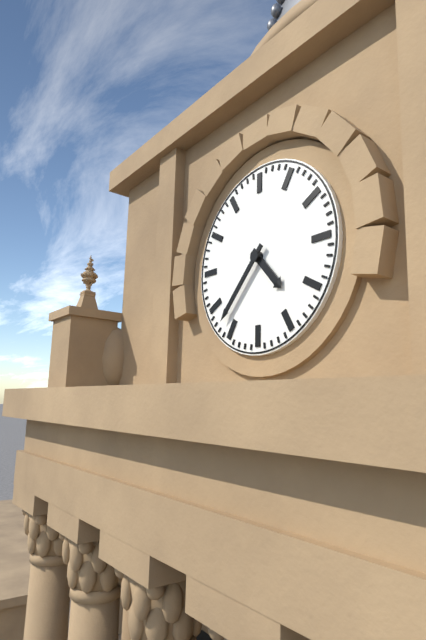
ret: 4:37
